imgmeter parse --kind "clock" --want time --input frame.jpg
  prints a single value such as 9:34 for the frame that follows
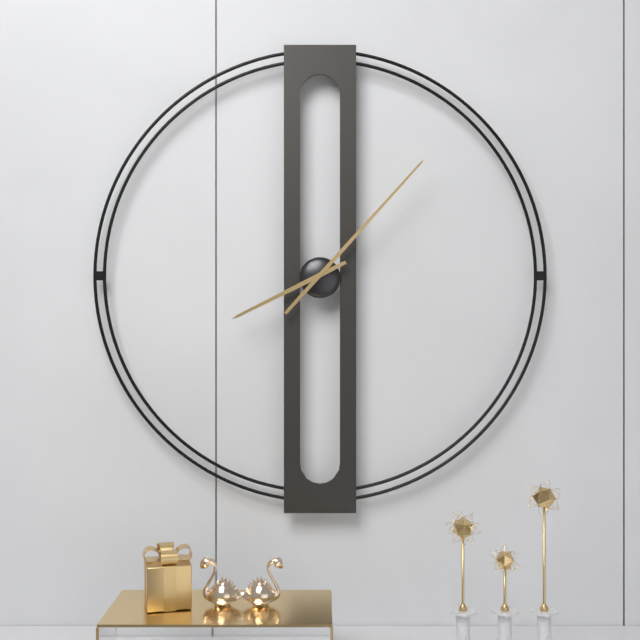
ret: 8:07
